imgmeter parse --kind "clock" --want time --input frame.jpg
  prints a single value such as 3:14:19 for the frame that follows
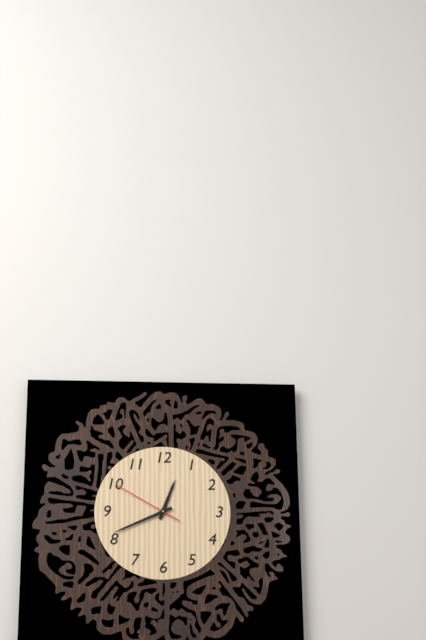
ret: 12:41:50
